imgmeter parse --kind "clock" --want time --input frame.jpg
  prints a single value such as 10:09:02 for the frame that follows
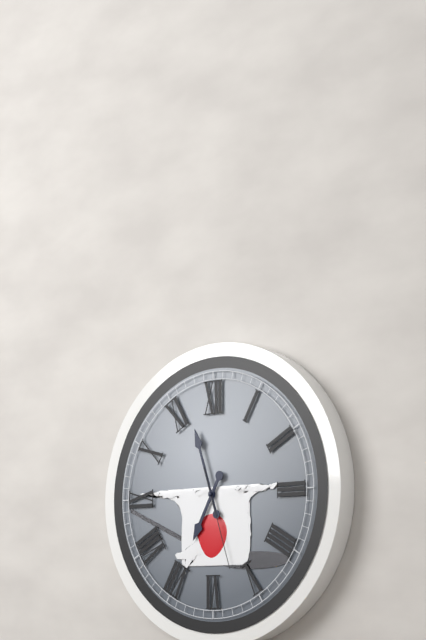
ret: 6:57:27
